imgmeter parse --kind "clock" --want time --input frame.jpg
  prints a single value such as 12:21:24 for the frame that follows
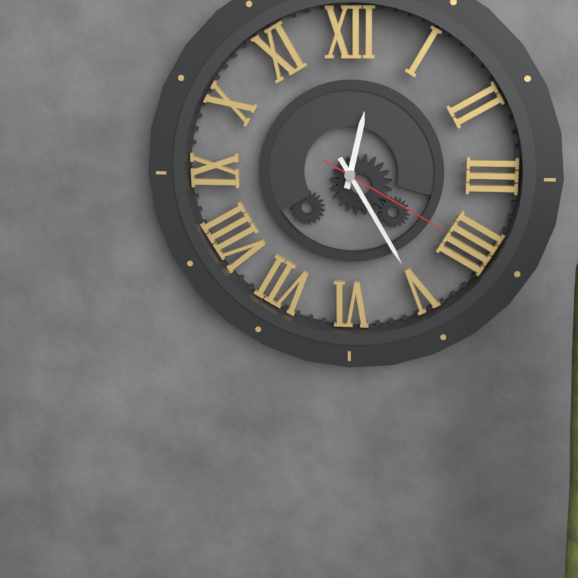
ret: 12:25:20
